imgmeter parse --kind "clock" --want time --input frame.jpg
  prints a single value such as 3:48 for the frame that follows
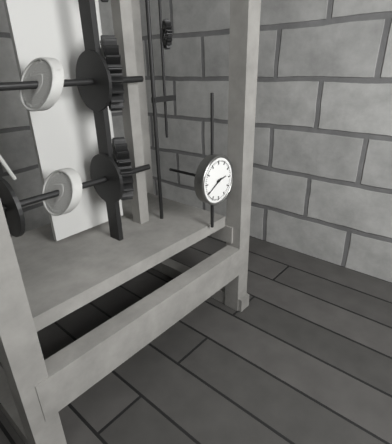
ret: 2:40
